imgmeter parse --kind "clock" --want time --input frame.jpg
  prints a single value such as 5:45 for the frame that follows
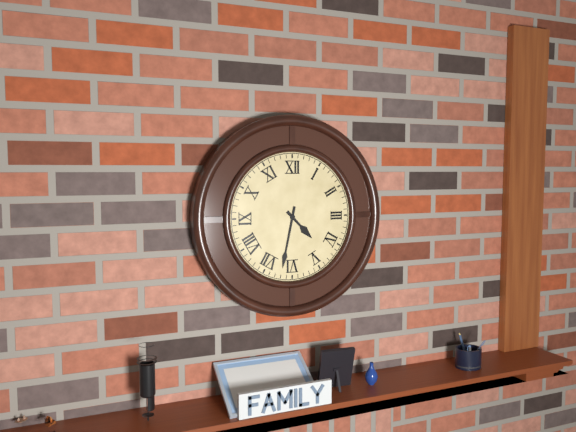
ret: 4:32
